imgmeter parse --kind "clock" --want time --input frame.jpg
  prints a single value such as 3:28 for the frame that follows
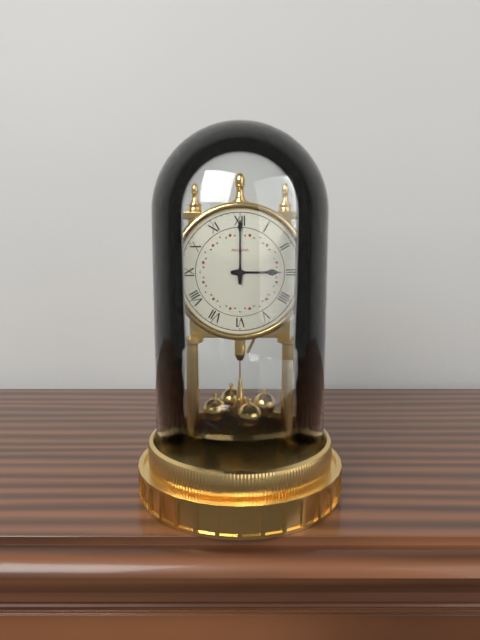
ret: 3:00
